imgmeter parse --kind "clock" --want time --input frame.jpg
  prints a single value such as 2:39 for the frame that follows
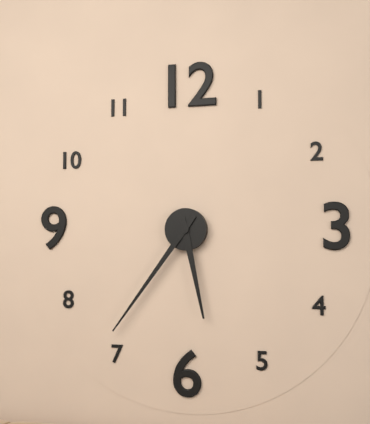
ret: 5:36
